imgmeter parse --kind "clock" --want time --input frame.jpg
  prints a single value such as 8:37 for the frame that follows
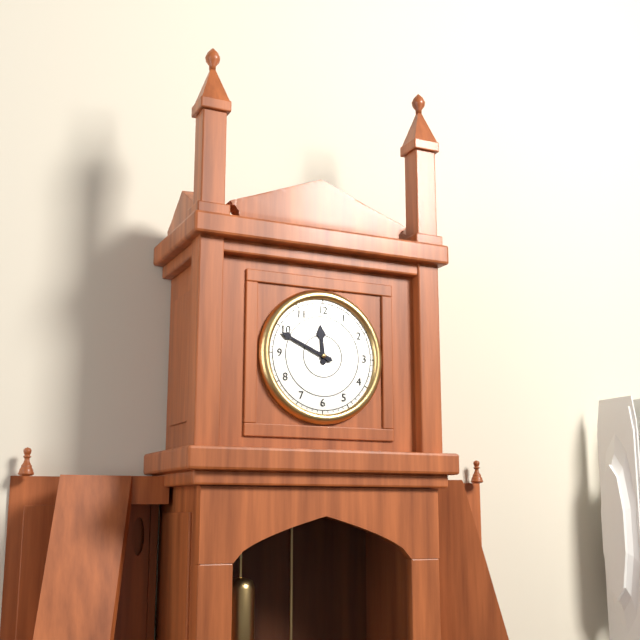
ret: 11:49
